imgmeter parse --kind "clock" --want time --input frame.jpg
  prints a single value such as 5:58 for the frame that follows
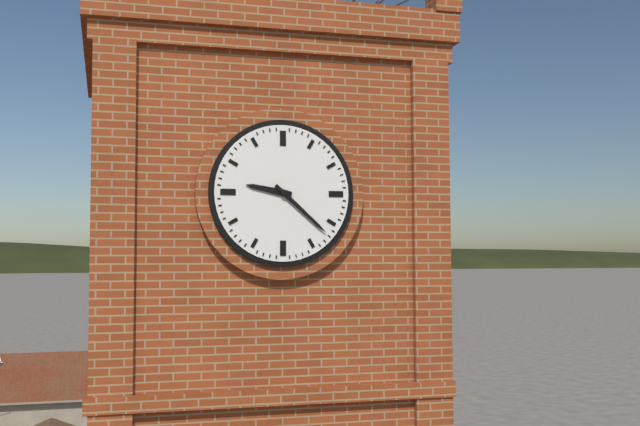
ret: 9:22
